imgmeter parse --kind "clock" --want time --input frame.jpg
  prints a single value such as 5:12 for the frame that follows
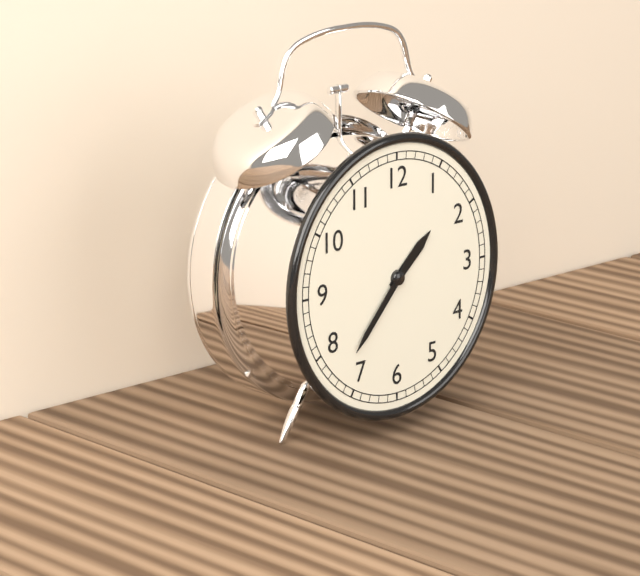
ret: 1:37
